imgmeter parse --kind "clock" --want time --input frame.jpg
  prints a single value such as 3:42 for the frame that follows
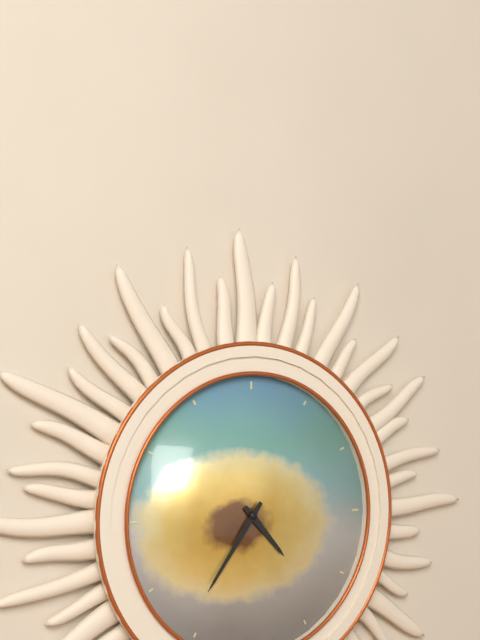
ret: 4:36
